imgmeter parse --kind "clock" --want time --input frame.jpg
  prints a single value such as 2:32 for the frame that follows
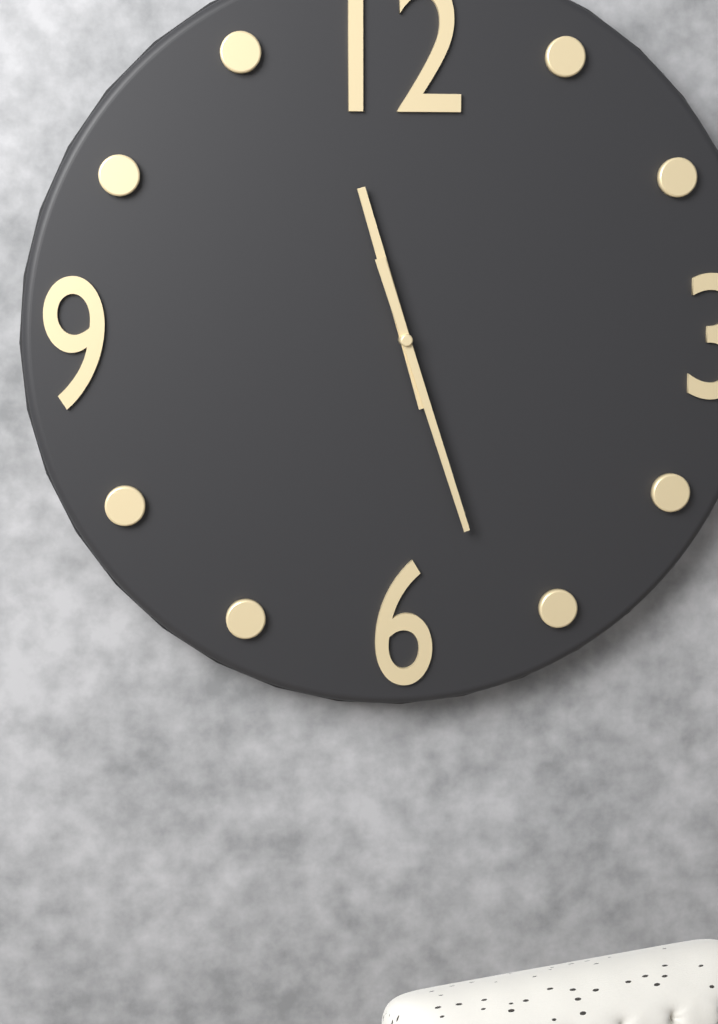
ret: 11:27
